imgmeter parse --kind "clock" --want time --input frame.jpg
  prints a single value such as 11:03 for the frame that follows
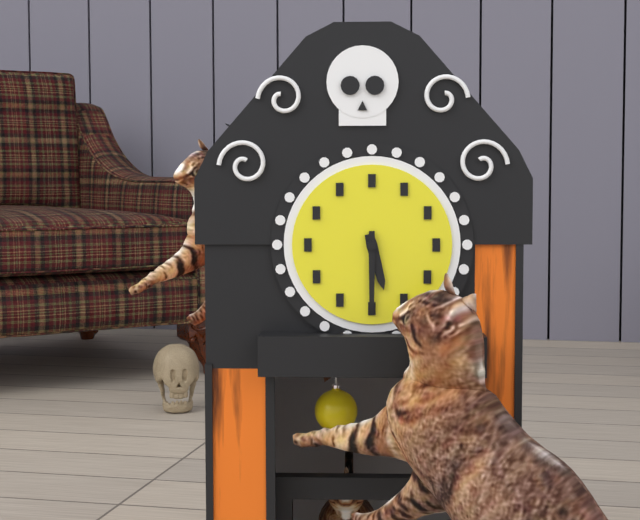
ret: 5:30
